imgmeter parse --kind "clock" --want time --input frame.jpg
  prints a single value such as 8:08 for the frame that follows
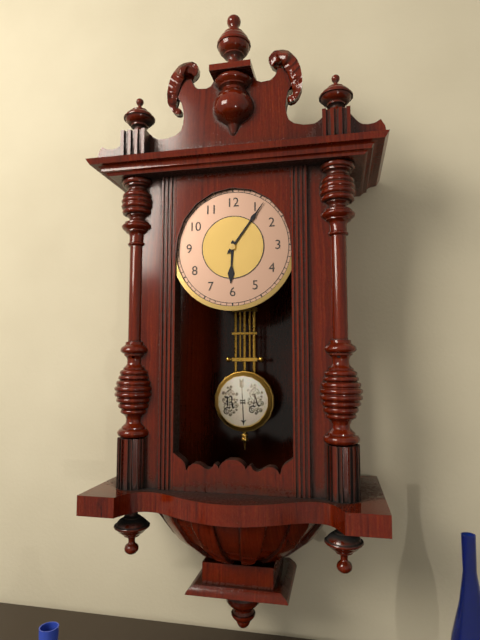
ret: 6:06
